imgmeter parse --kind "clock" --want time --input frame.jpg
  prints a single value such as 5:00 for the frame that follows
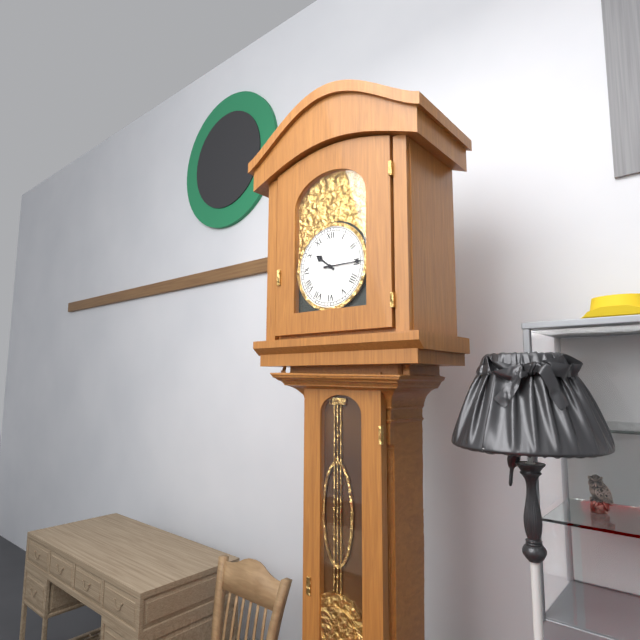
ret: 10:15
